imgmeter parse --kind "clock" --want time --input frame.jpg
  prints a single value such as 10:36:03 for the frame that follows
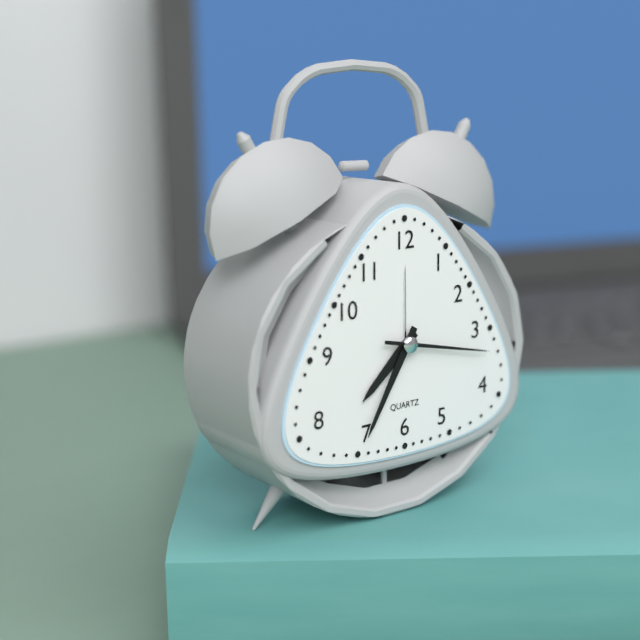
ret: 7:35:17
